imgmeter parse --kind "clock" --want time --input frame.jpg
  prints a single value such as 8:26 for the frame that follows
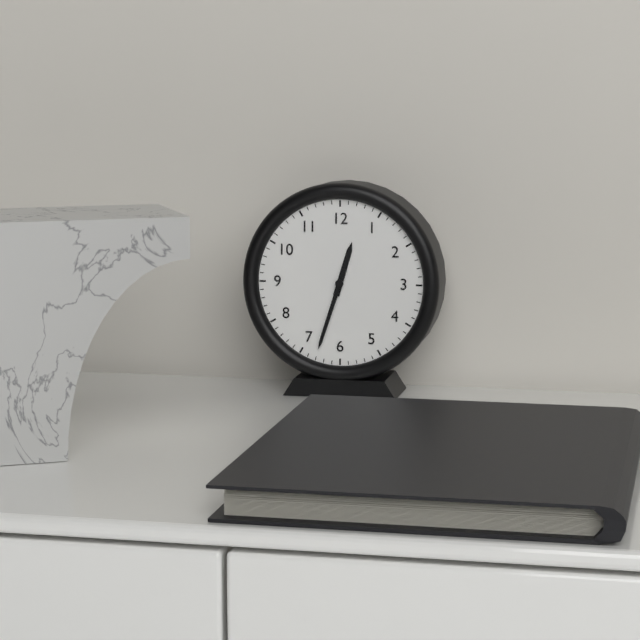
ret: 12:33
